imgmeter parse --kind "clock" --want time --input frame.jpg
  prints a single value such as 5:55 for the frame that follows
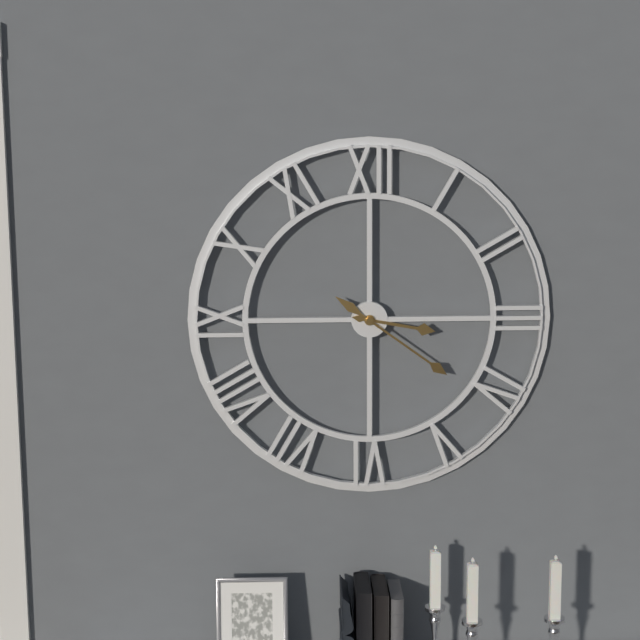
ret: 3:21
